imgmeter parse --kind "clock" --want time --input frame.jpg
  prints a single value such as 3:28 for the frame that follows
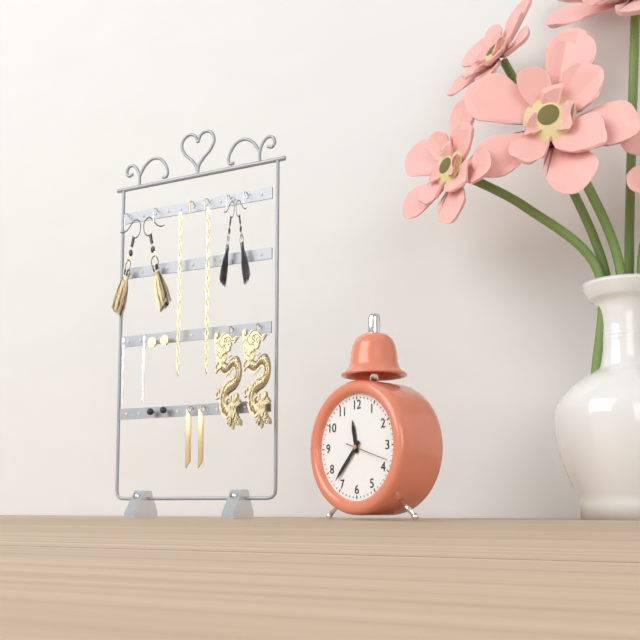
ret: 11:37
